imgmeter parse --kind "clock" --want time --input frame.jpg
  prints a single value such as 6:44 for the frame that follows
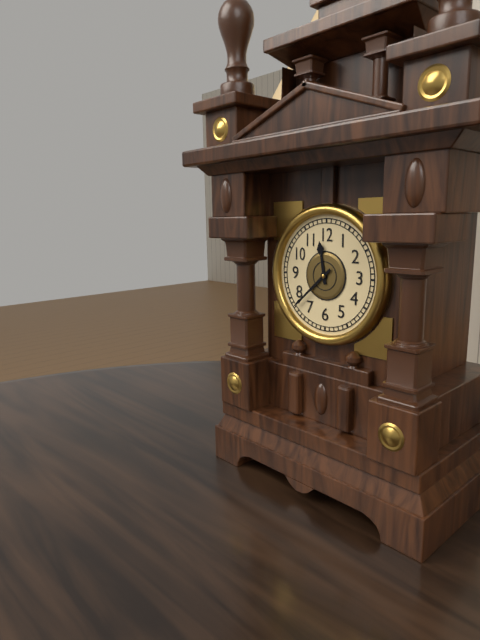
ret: 11:38
